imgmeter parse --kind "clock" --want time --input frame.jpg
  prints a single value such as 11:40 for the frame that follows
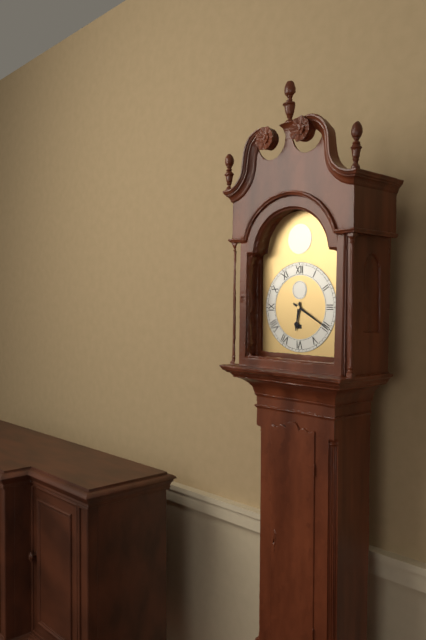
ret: 6:20
